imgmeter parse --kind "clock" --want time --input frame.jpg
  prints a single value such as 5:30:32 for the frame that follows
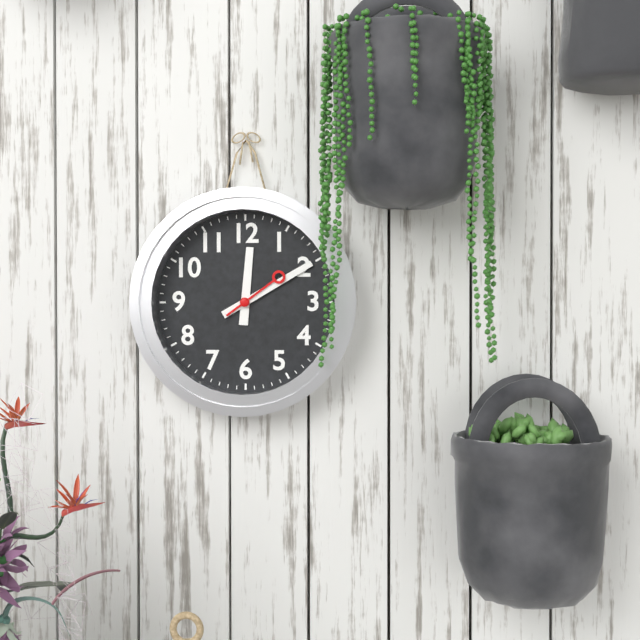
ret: 12:10:09
